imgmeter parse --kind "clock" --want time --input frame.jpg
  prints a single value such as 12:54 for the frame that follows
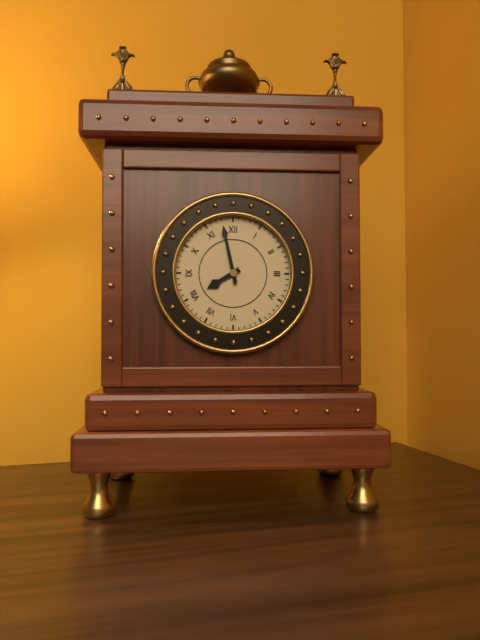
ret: 7:58
